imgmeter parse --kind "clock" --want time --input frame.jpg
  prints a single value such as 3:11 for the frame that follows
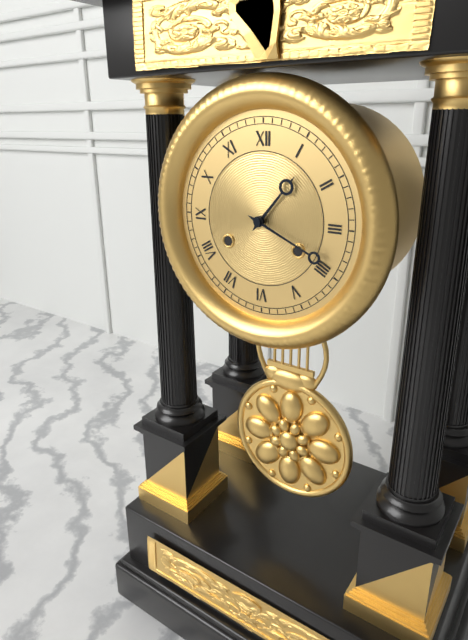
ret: 1:19
